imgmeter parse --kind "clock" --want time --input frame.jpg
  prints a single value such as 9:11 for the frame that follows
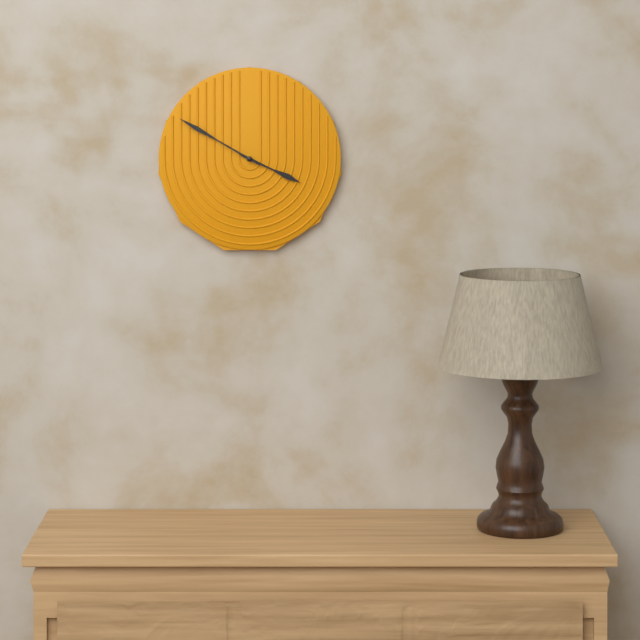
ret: 3:50
